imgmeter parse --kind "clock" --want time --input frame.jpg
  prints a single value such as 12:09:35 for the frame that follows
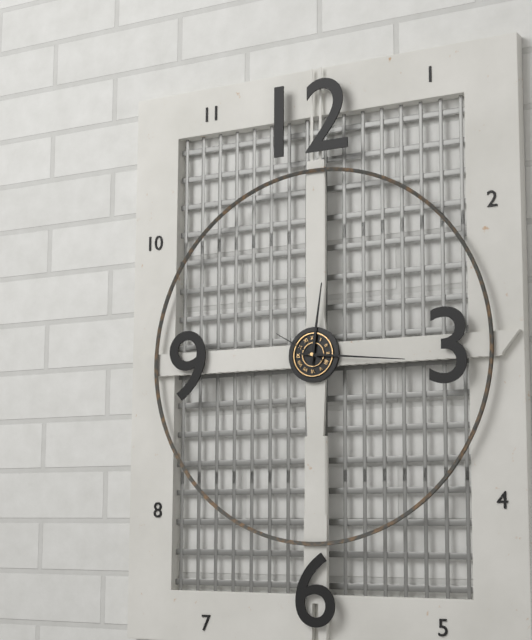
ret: 12:16:50
